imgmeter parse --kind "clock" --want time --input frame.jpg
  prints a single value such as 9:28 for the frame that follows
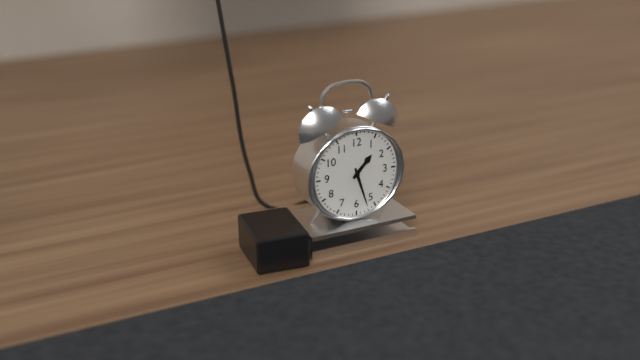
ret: 1:27
